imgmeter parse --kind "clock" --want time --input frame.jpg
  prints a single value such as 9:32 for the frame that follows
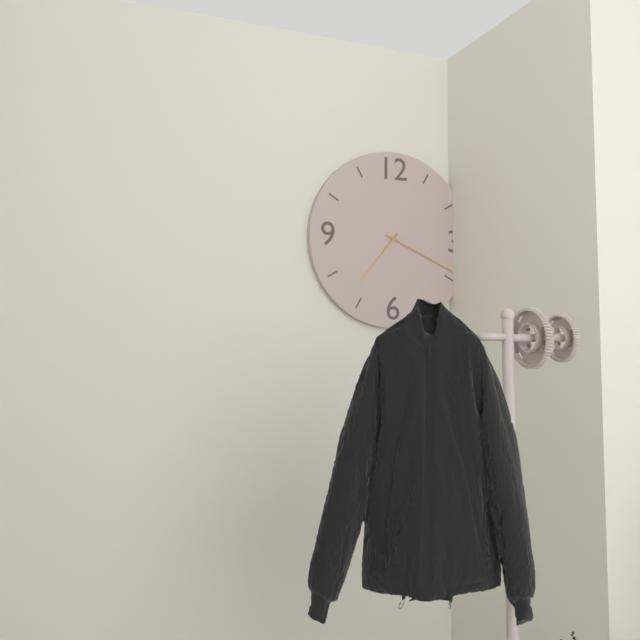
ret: 7:19
